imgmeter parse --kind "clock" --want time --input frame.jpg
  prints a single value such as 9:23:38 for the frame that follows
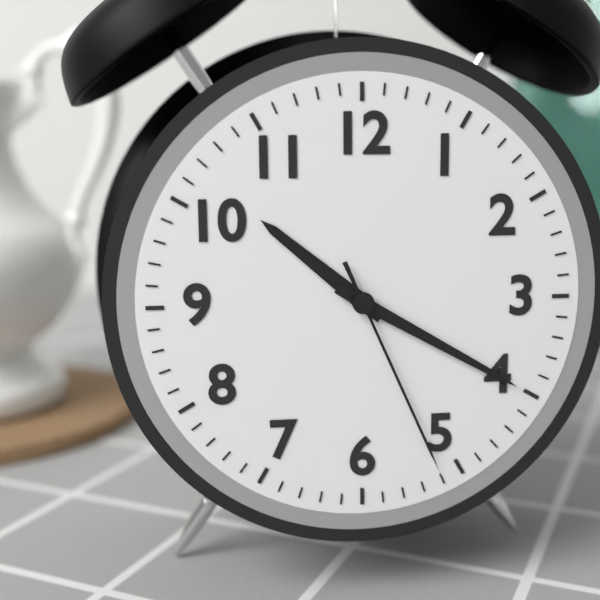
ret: 10:20:26
